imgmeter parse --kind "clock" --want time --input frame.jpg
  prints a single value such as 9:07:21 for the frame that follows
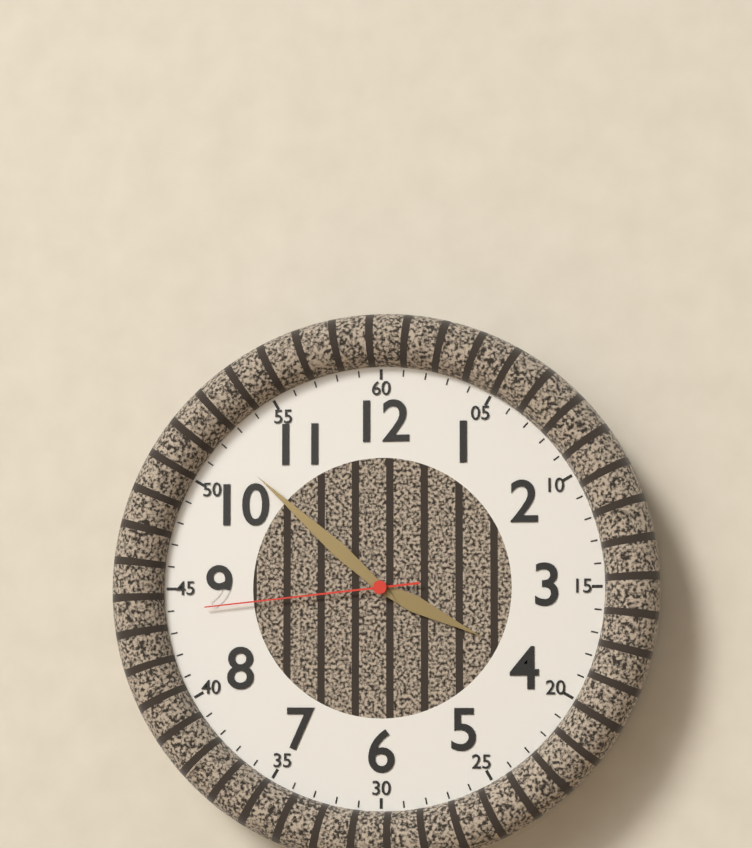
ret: 3:52:44
